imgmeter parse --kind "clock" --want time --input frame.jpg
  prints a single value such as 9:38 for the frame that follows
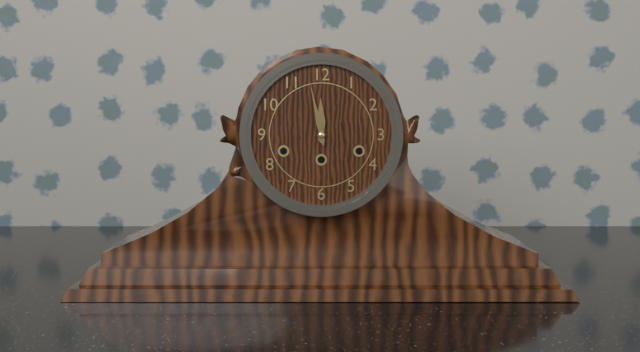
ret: 11:58
